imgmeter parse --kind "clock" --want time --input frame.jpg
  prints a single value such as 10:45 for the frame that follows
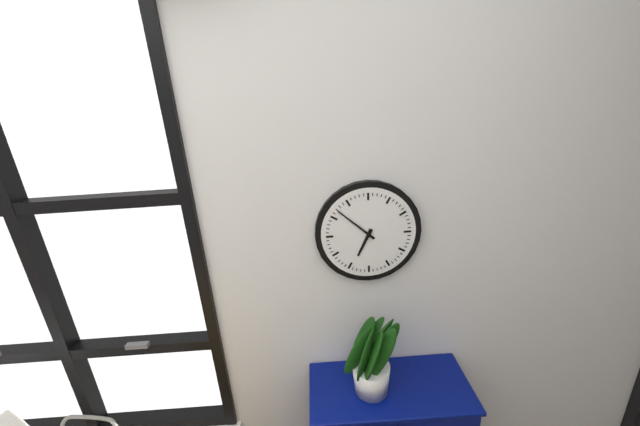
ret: 6:52
